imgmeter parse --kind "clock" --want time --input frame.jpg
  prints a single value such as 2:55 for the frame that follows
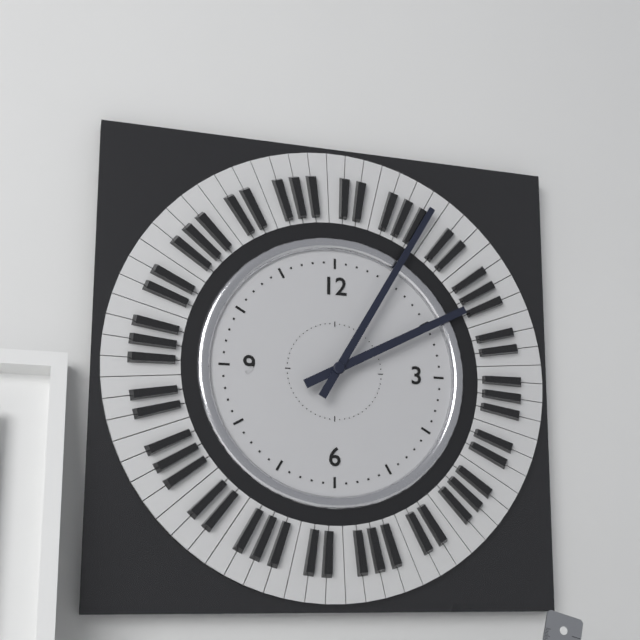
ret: 2:05
